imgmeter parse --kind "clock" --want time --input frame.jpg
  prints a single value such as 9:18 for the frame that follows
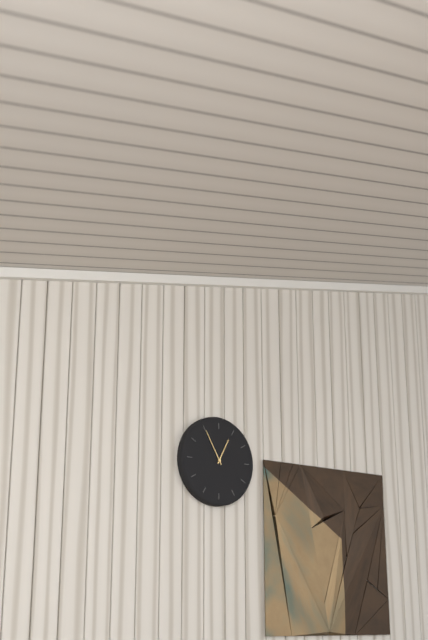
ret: 12:55
